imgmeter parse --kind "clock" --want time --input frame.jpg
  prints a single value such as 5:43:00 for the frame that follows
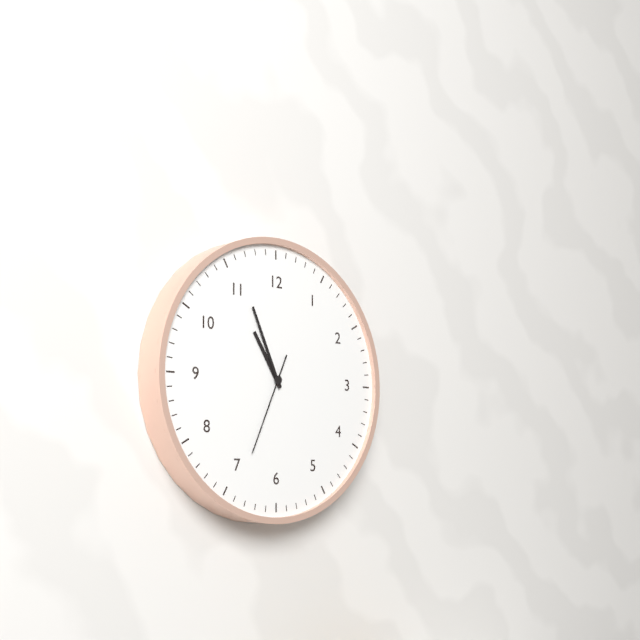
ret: 10:56:34
